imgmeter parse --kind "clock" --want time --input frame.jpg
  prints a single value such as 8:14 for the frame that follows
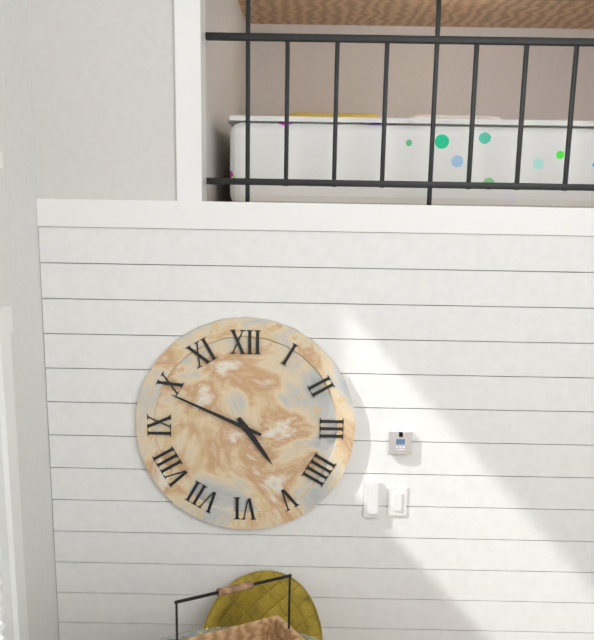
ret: 4:49
